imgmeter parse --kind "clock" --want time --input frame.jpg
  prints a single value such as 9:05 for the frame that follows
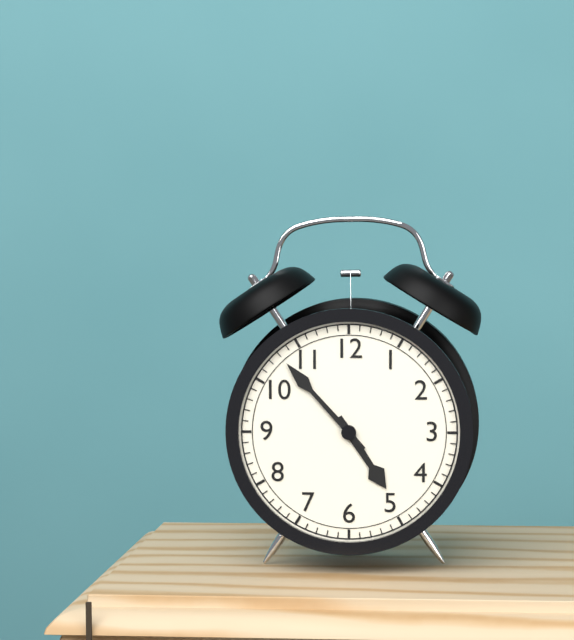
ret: 4:53
